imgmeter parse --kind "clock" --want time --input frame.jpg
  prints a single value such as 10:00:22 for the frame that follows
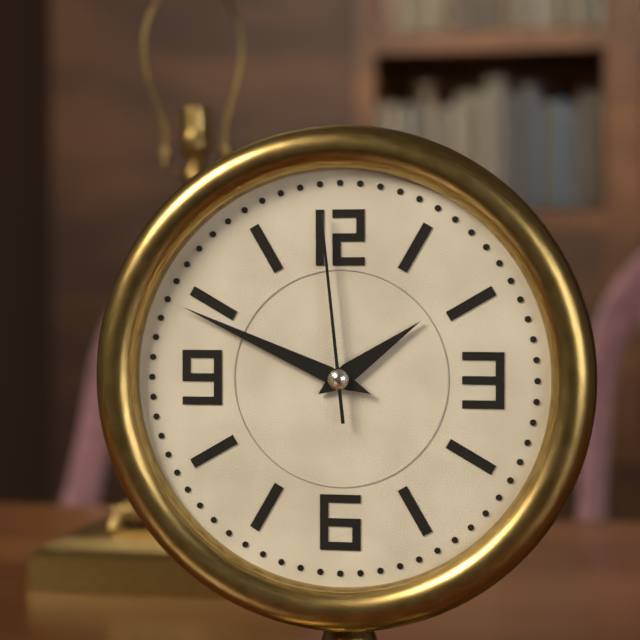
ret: 1:49:59
